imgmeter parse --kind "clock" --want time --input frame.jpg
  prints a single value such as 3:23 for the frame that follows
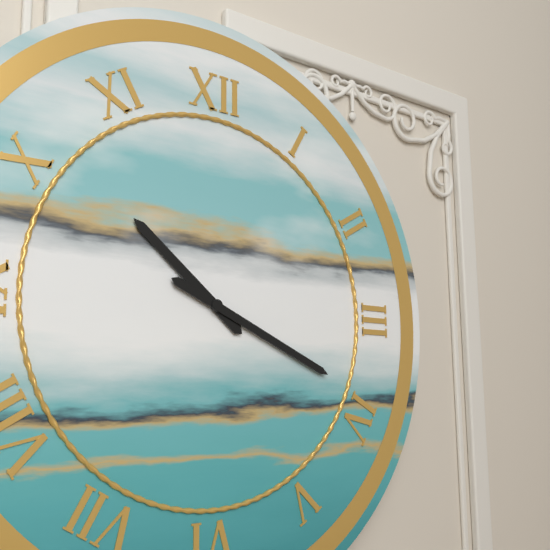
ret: 10:19
